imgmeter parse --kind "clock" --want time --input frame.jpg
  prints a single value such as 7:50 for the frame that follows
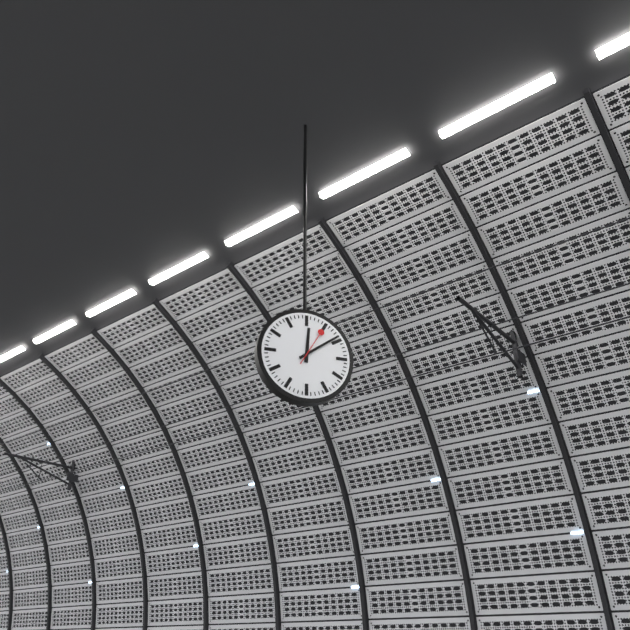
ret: 12:09
